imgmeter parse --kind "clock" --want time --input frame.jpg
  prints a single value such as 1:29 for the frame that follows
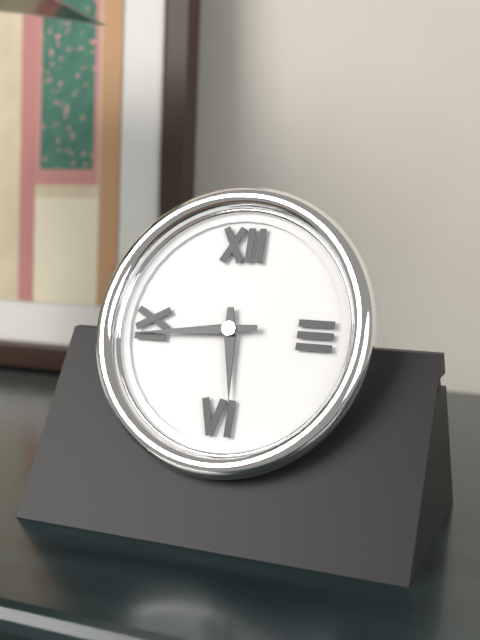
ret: 5:44
